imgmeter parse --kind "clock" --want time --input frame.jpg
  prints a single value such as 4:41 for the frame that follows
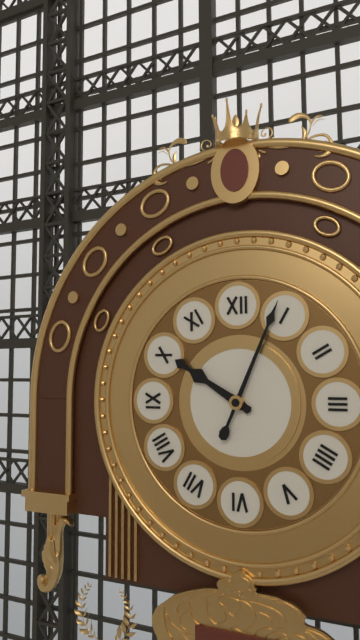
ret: 10:04
